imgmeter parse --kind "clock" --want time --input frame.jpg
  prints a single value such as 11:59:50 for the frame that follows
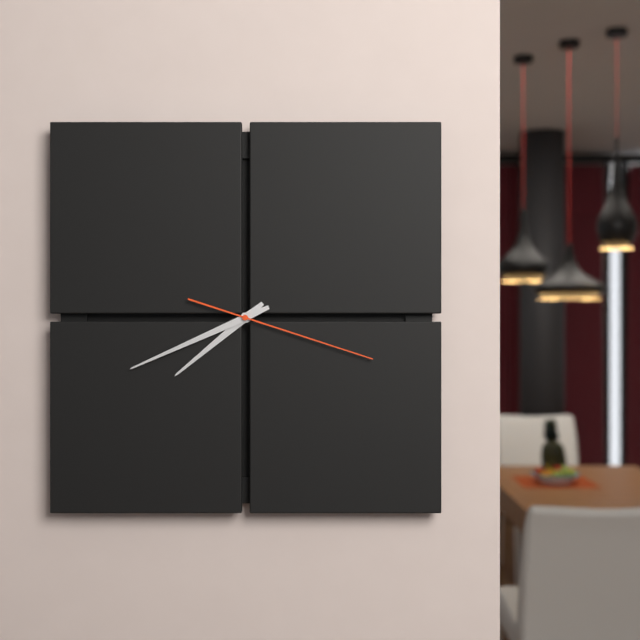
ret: 7:41:18
